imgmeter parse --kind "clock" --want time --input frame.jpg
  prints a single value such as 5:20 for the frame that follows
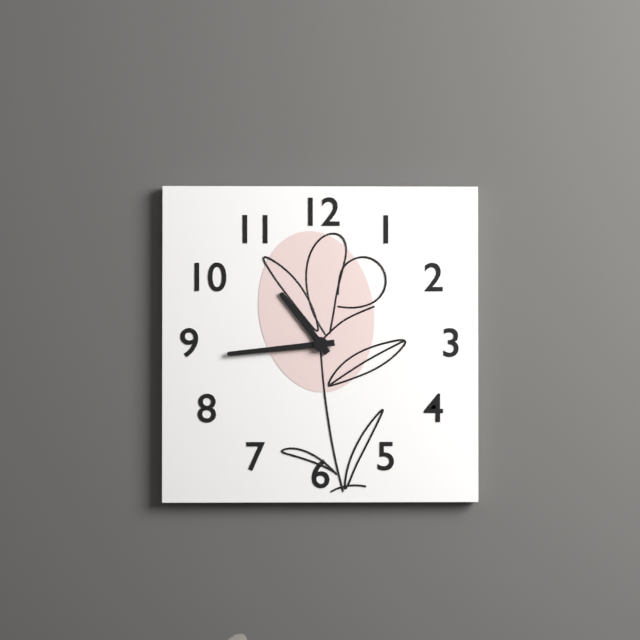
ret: 10:44
